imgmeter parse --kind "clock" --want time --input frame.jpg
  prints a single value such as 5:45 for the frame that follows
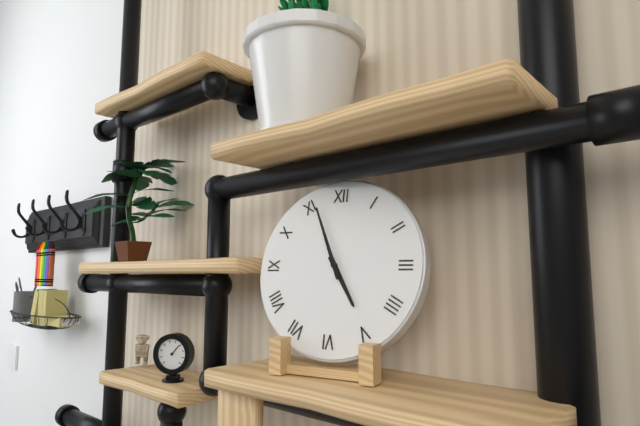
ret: 4:56
